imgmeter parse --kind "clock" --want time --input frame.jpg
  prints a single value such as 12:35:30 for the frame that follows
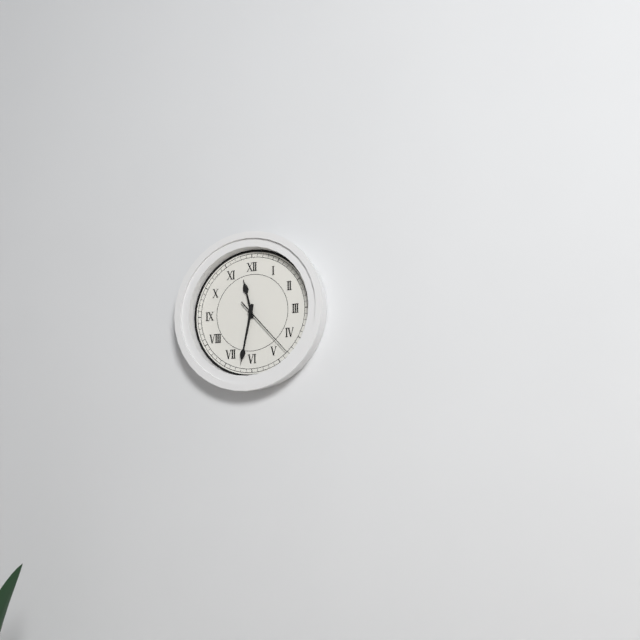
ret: 11:32:23
